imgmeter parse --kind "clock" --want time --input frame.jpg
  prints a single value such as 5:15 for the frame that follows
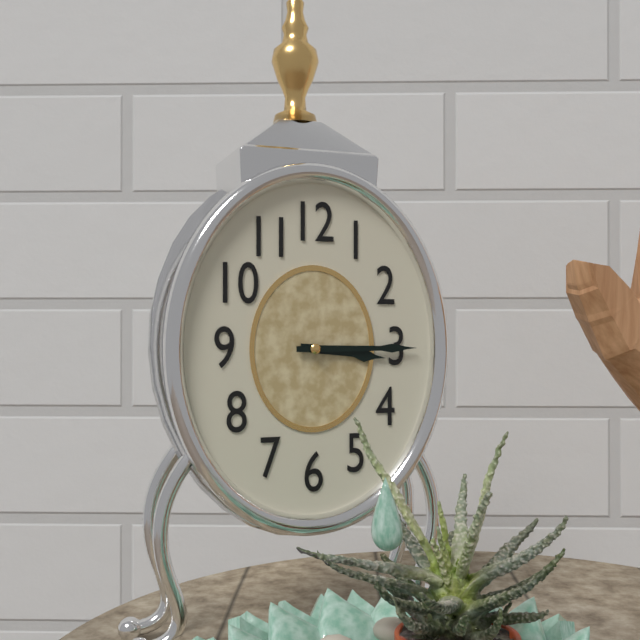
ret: 3:15
